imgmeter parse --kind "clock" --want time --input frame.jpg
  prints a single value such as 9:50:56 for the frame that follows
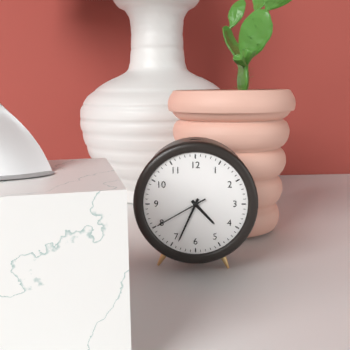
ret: 4:34:40
